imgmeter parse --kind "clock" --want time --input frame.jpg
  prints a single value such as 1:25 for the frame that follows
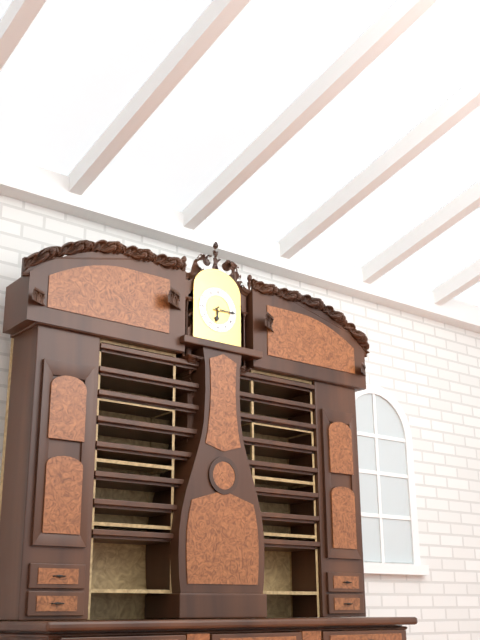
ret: 6:15
